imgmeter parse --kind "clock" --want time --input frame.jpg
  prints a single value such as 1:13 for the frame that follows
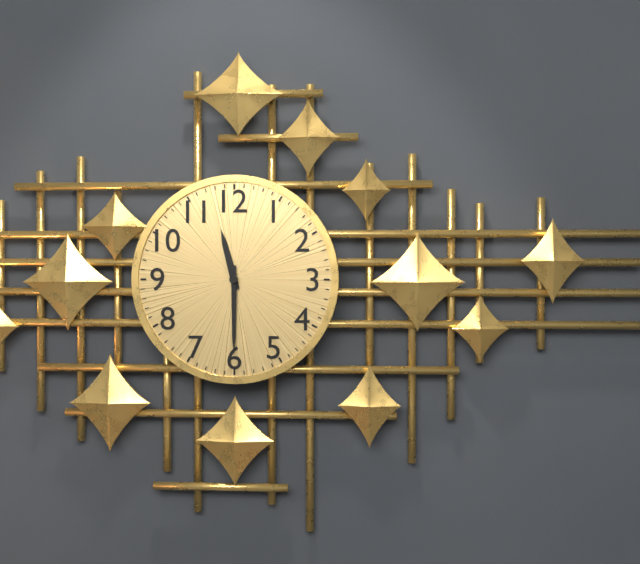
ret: 11:30
